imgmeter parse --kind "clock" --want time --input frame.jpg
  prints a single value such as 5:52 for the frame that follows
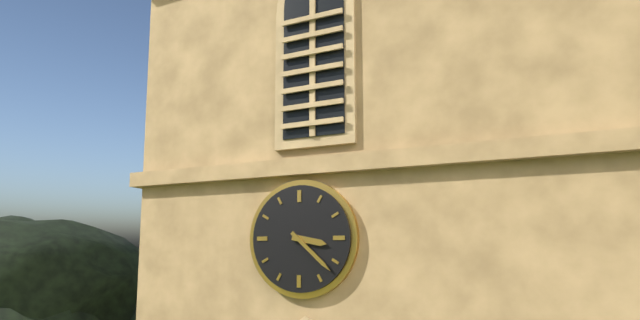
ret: 3:22
